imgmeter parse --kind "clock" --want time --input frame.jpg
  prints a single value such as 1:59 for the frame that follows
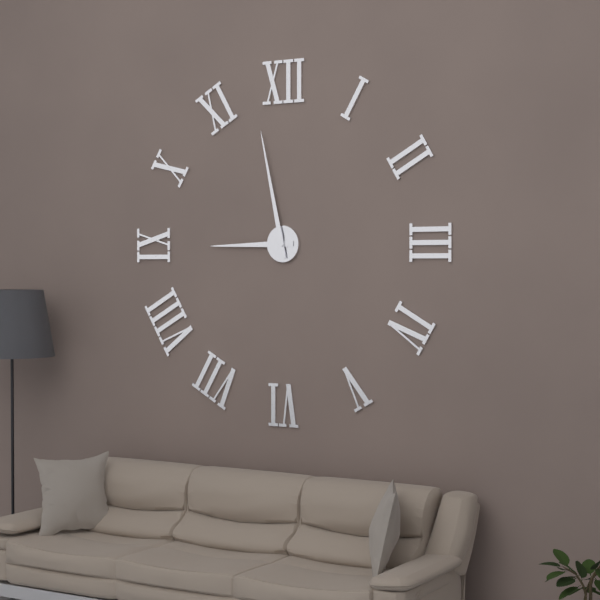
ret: 8:58
